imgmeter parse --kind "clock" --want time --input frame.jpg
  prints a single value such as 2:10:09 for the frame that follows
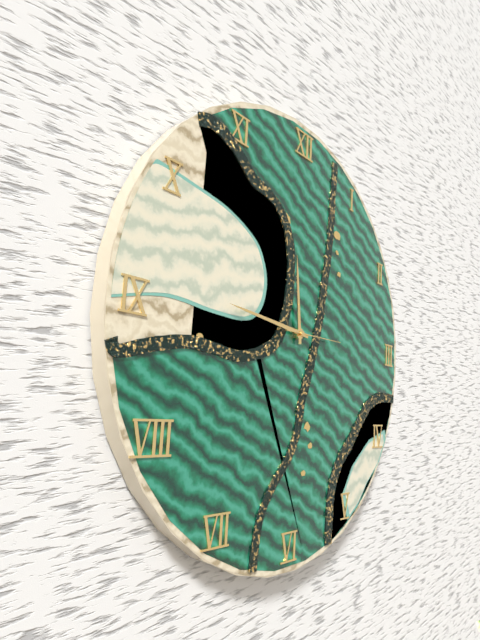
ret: 11:46:15
